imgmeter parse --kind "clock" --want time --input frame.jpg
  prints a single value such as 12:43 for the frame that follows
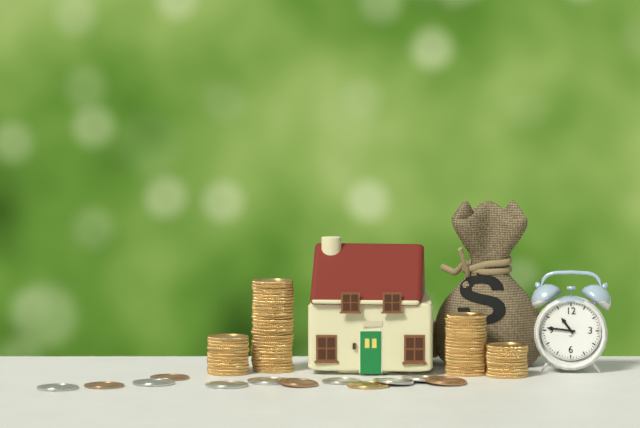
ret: 10:46
